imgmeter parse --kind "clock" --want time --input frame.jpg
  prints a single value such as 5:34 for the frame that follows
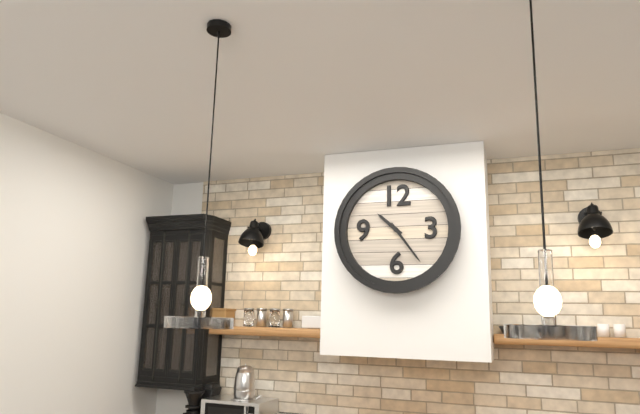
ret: 10:24
